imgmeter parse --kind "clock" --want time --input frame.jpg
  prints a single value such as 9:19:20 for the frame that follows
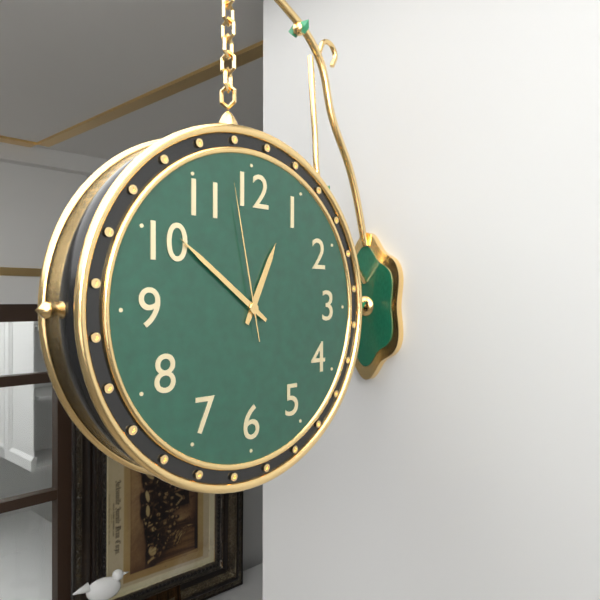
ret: 12:51:58
